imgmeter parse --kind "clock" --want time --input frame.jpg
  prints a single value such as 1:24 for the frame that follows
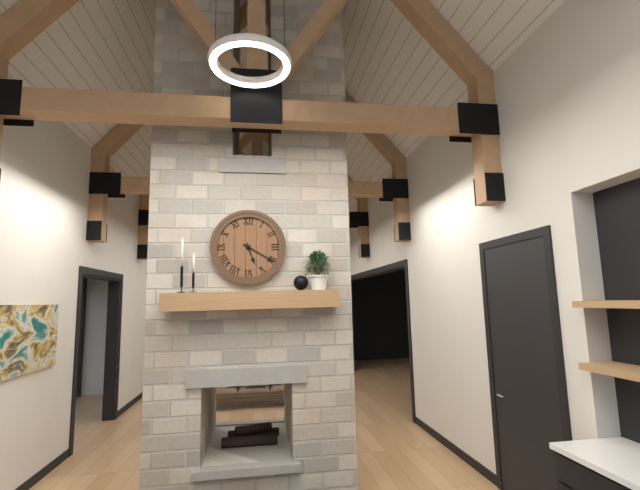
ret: 5:20
